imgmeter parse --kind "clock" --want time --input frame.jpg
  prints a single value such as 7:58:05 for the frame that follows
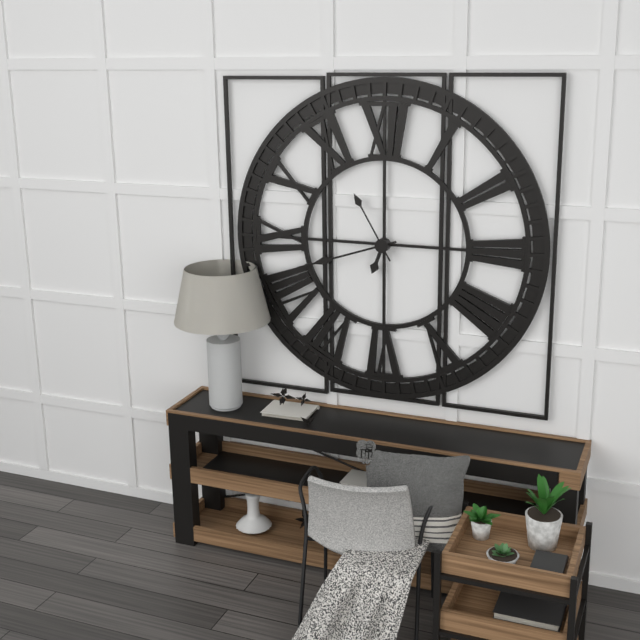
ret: 6:42:55
